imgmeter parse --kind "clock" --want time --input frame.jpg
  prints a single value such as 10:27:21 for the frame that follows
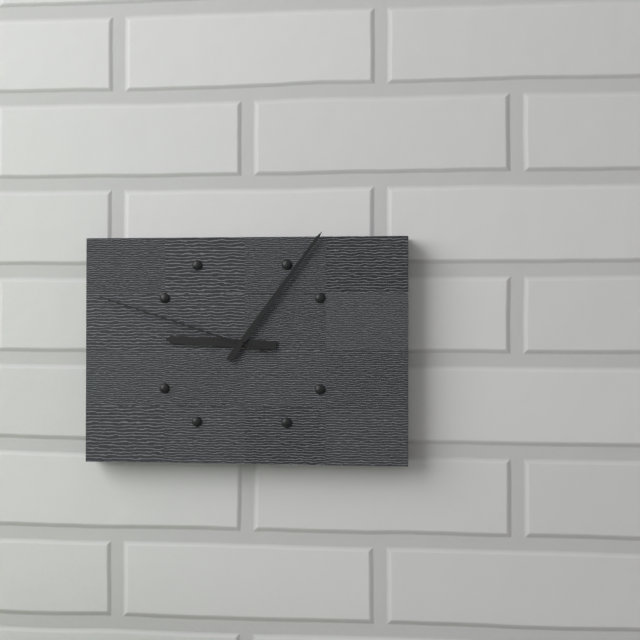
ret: 9:06:48
